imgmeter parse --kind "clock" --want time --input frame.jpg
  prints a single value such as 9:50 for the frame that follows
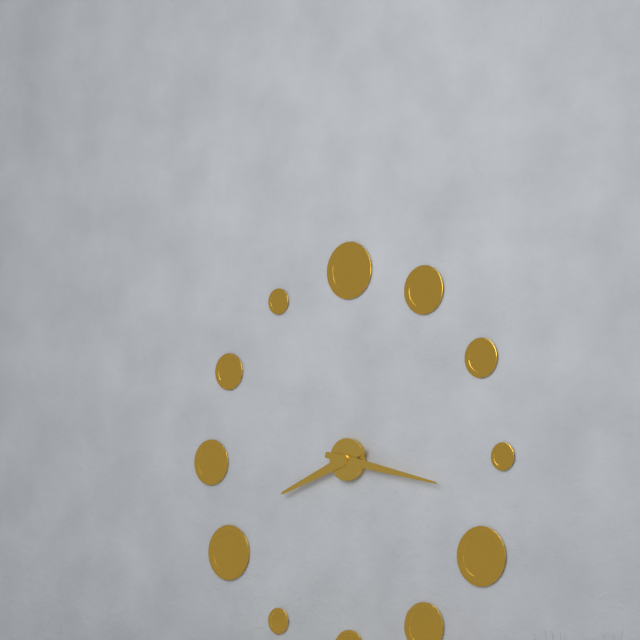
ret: 8:17
